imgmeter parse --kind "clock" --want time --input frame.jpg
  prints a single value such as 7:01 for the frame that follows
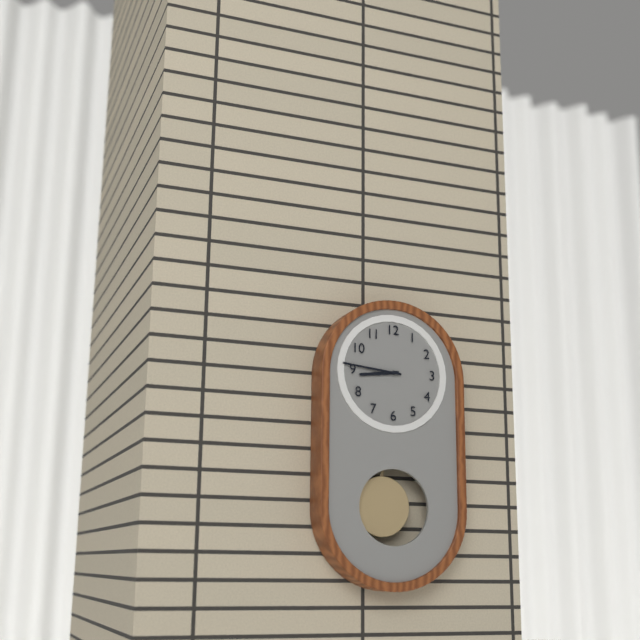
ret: 8:46
